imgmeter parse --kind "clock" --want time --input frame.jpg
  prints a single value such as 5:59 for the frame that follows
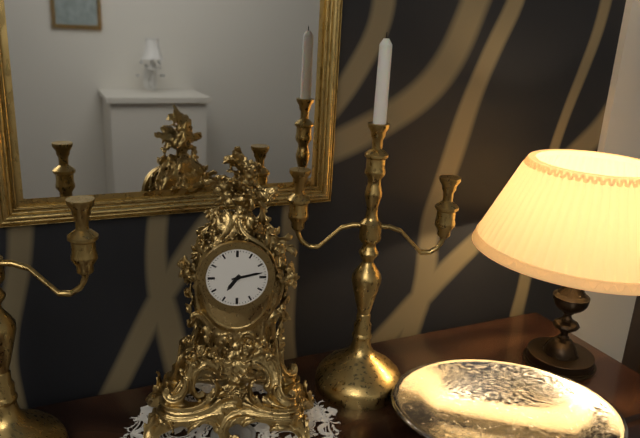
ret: 7:13
